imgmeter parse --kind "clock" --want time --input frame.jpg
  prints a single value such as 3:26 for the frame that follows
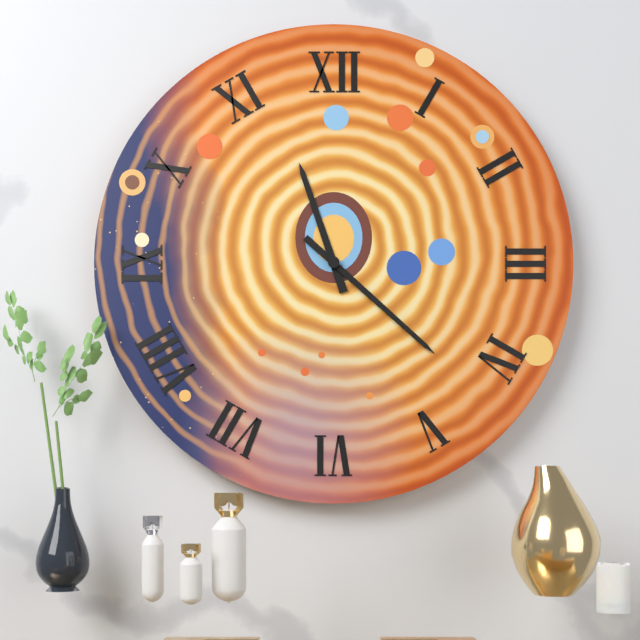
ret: 11:22
